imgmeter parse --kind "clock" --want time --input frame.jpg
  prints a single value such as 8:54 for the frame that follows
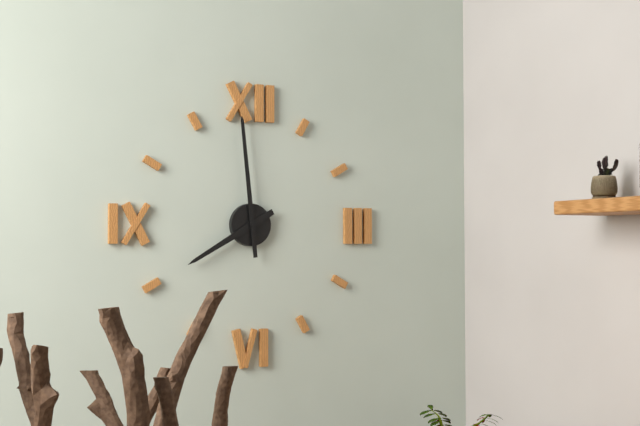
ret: 7:59
